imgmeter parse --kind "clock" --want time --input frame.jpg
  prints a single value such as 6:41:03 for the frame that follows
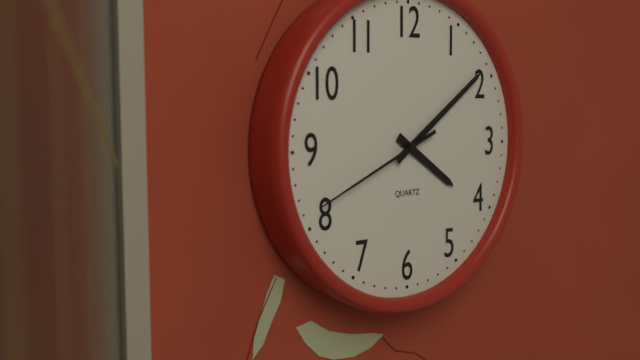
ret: 4:09:41
